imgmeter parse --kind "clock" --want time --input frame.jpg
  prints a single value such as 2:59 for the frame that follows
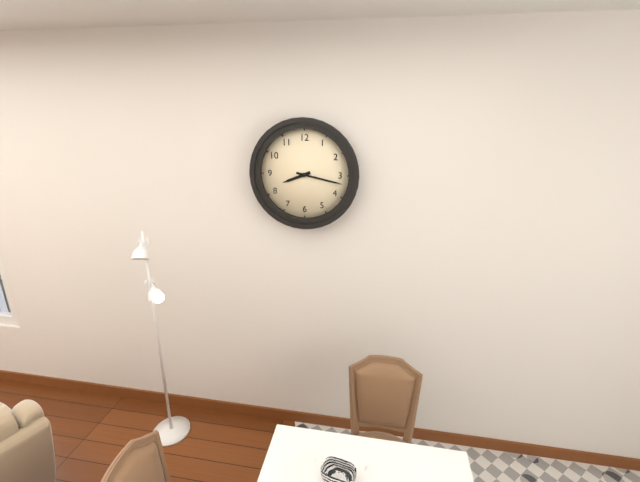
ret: 8:17
